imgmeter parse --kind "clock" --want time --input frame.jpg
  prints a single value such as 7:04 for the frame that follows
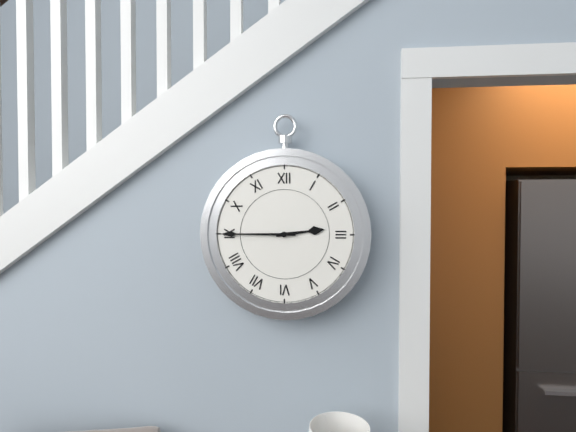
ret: 2:45
